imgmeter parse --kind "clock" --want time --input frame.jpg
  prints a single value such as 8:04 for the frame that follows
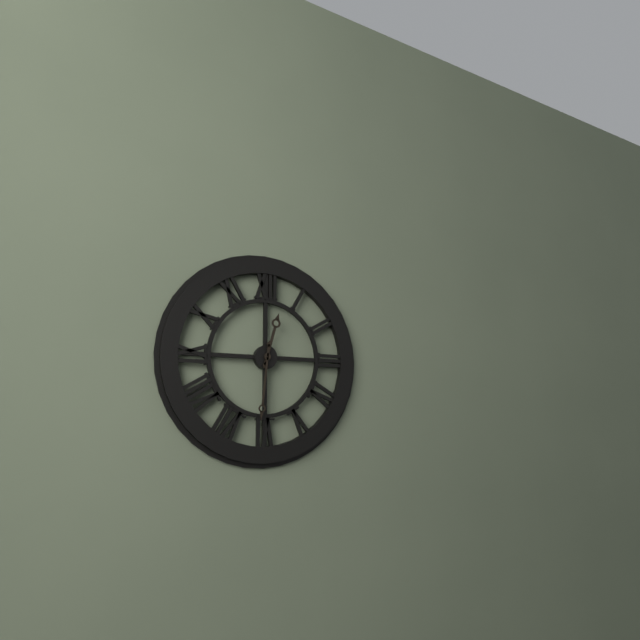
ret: 12:31
